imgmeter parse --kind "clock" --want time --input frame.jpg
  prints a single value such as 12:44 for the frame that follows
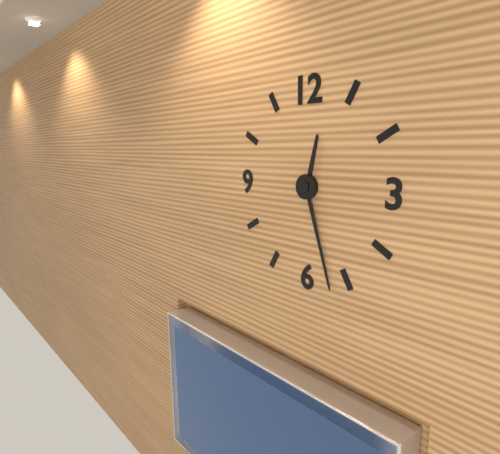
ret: 12:27
